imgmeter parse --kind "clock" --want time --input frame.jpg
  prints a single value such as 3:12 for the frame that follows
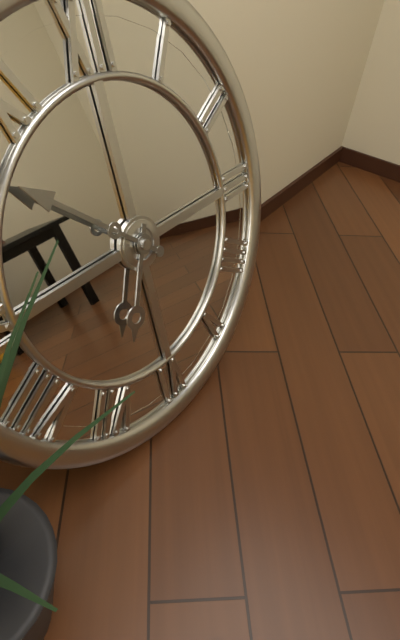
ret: 6:52
